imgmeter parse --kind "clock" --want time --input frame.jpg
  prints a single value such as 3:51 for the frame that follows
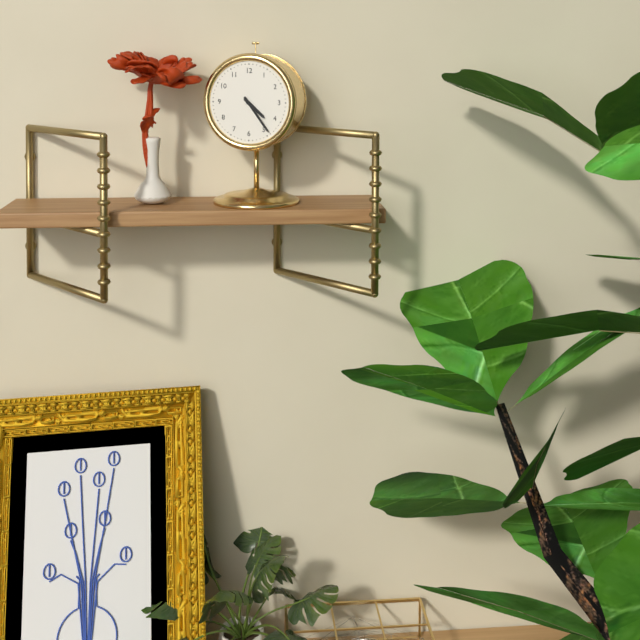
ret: 4:24
